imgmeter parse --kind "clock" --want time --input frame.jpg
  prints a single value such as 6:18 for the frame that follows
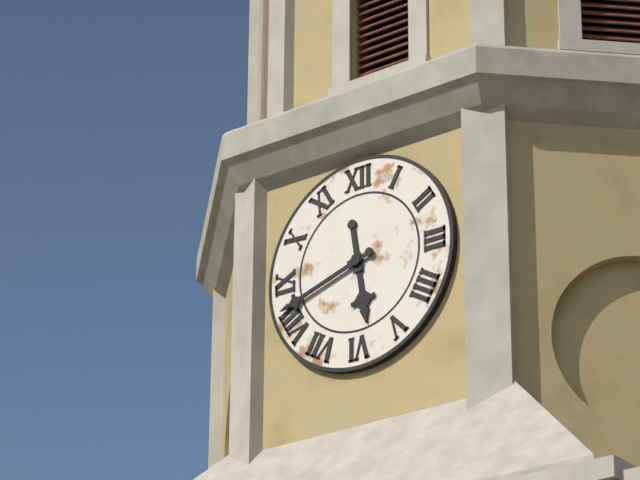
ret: 5:42
